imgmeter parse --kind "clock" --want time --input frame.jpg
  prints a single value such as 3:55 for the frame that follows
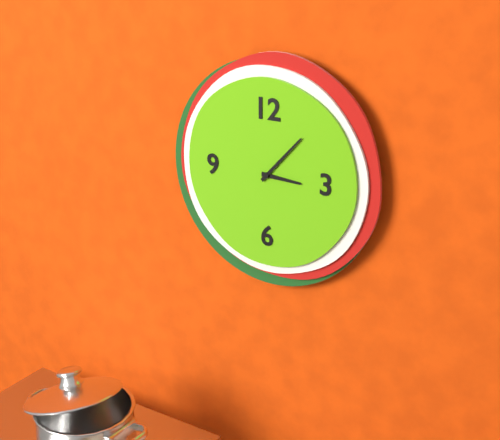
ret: 3:07
